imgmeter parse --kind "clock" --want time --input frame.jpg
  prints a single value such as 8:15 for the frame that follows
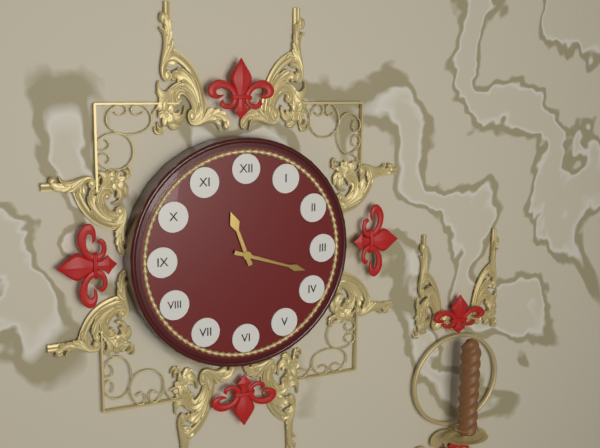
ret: 11:18
